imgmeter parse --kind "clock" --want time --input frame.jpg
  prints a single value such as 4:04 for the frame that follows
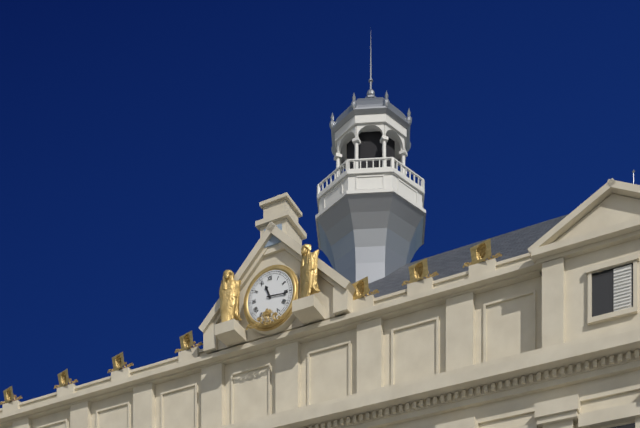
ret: 11:16
